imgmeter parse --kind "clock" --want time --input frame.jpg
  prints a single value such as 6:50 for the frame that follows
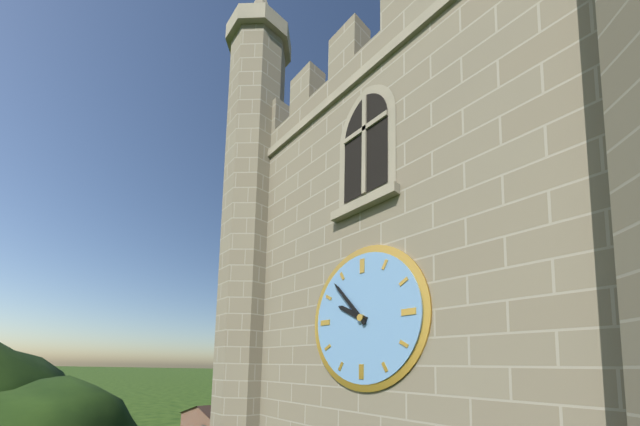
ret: 9:53
